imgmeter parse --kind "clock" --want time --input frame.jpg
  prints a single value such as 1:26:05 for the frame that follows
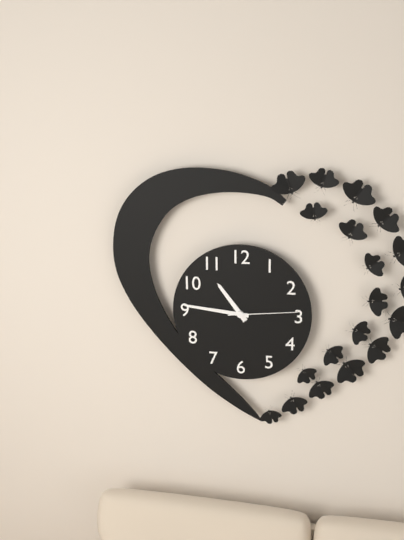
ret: 10:46:14
